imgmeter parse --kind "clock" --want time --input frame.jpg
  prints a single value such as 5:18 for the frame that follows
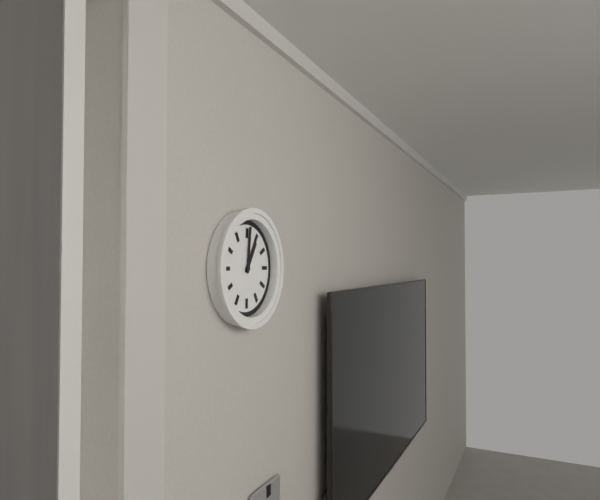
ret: 1:01
